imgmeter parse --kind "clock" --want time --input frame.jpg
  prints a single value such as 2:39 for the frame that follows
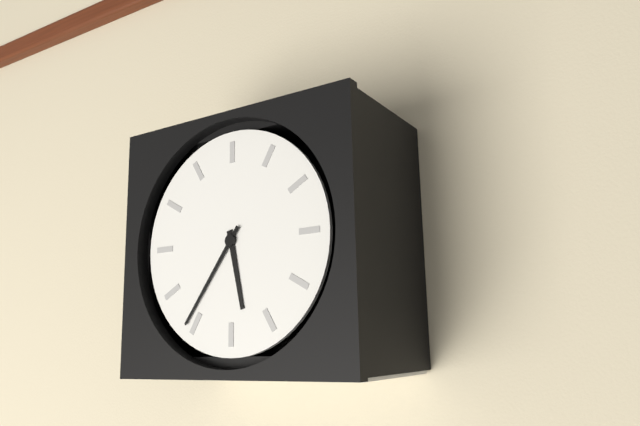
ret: 5:36
